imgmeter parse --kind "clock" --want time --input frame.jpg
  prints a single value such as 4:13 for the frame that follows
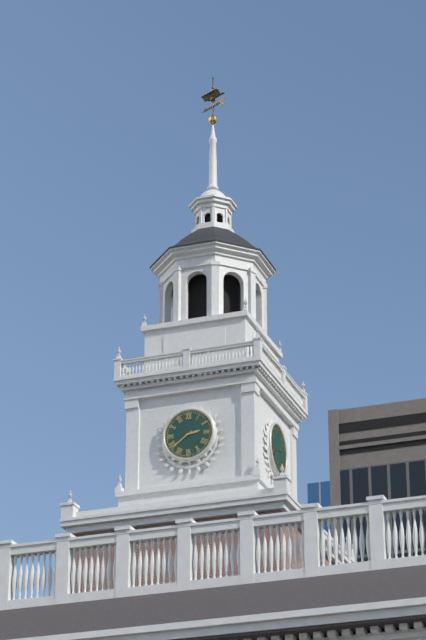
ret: 2:39
